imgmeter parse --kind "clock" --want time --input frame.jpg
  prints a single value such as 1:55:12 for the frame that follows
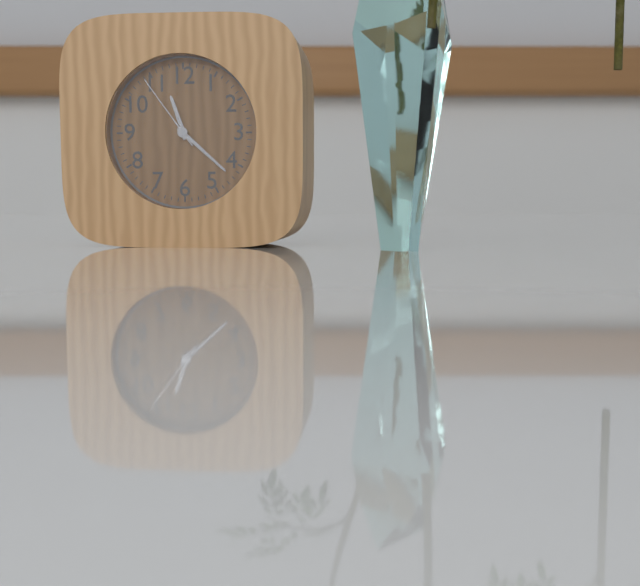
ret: 11:22:54
